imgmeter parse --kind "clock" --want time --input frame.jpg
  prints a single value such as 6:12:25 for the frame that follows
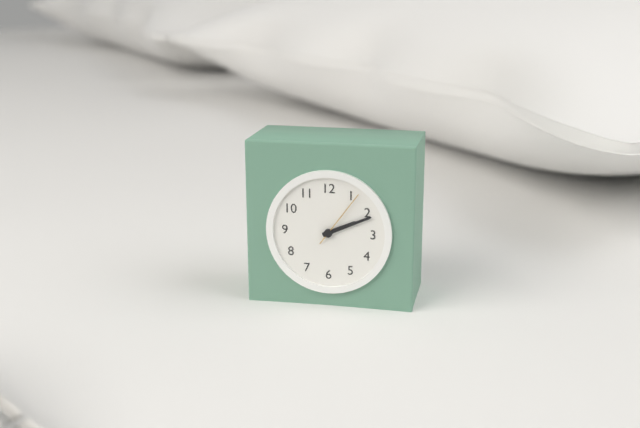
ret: 2:11:06
